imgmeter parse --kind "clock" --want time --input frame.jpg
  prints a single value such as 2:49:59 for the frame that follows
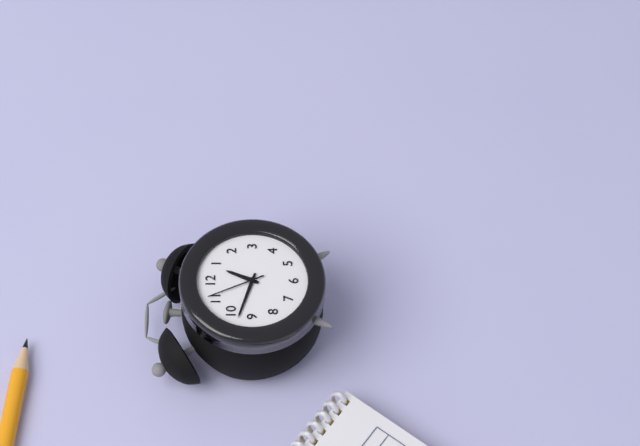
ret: 12:48:56
